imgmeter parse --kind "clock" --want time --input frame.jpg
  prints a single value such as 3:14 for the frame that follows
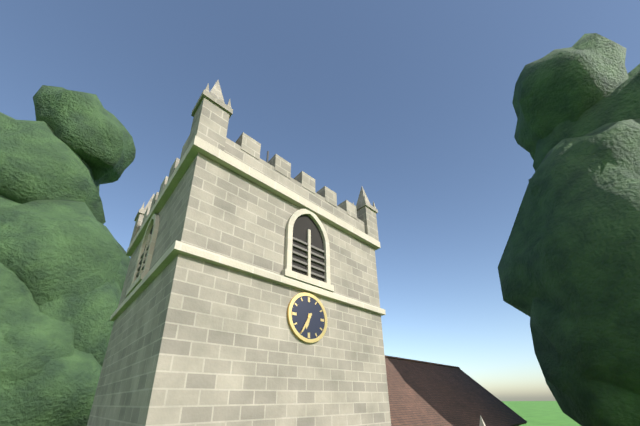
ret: 6:35
